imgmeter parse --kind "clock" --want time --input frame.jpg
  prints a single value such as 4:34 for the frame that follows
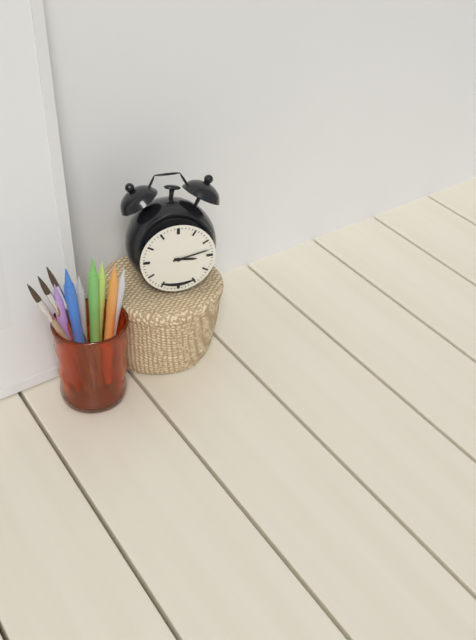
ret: 3:13
